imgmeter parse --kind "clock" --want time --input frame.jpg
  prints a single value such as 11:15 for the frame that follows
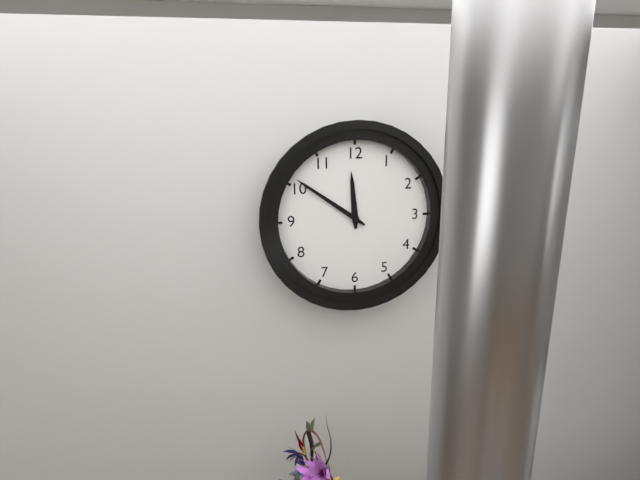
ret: 11:51
